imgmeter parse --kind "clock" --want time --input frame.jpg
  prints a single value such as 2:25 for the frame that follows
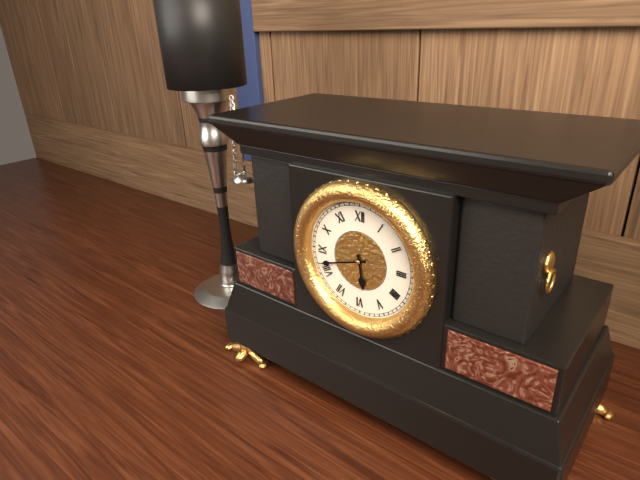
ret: 5:42
